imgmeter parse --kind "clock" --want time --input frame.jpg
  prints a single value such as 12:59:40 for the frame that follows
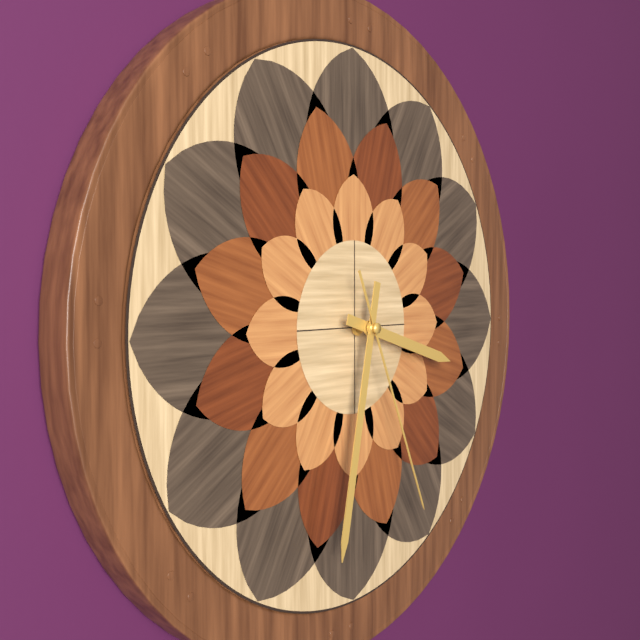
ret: 3:32:26
